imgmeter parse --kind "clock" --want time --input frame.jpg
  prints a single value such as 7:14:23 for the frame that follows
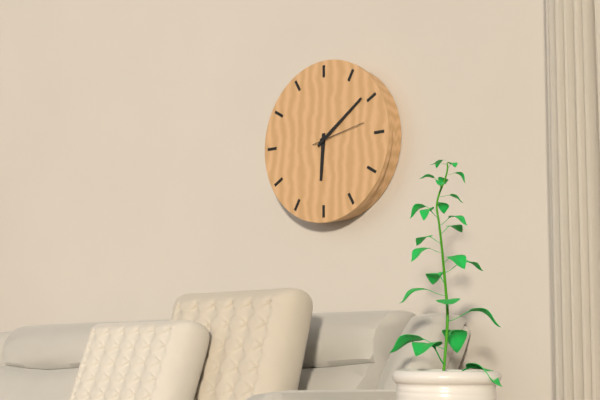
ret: 6:09:13
